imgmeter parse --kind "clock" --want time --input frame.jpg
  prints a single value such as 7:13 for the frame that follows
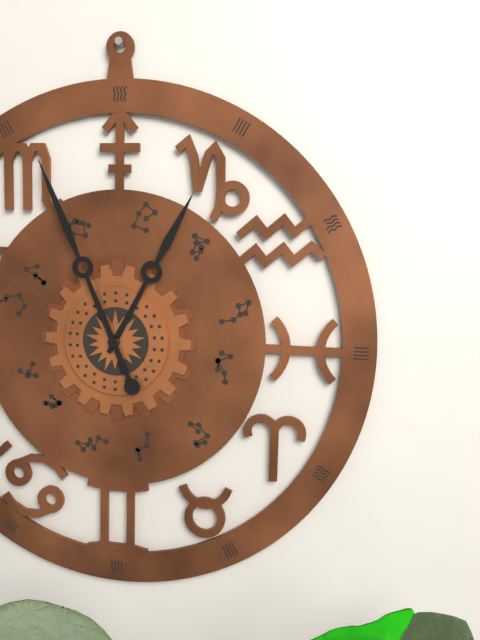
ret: 12:56
